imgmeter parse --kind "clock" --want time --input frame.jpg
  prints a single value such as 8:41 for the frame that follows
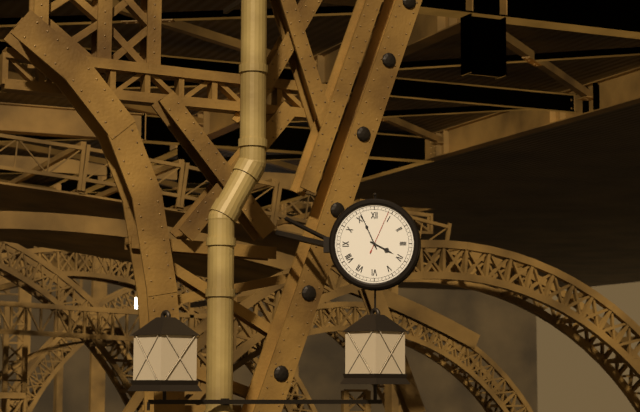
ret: 3:56
